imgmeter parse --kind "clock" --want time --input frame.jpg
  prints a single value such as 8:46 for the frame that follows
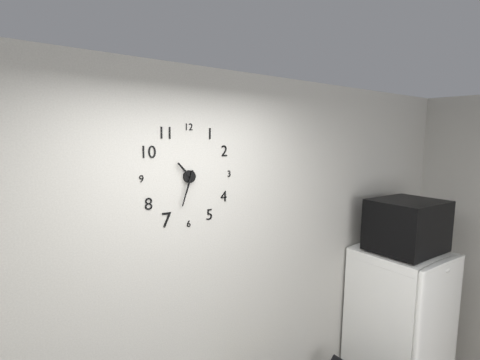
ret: 10:33
